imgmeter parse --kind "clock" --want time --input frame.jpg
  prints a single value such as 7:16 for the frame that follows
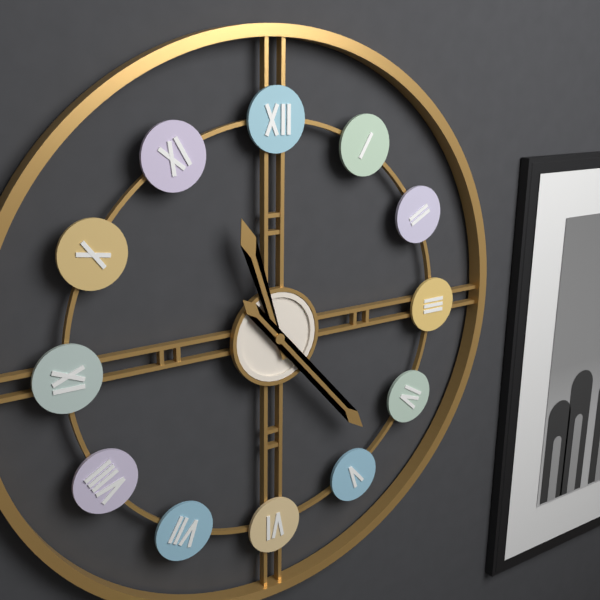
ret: 11:23
